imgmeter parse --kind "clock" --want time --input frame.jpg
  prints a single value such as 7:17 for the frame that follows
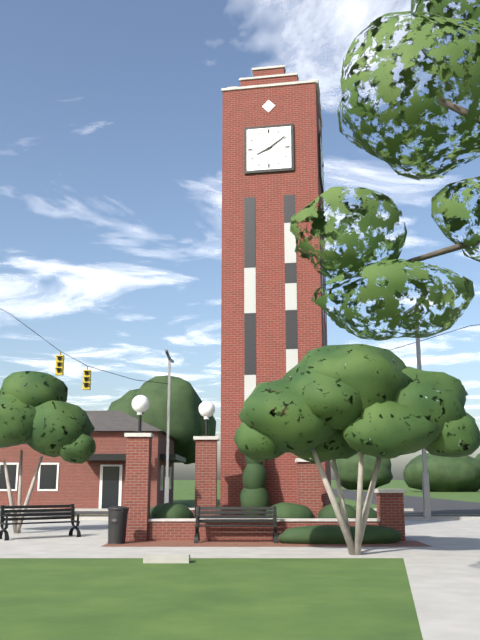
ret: 8:09
